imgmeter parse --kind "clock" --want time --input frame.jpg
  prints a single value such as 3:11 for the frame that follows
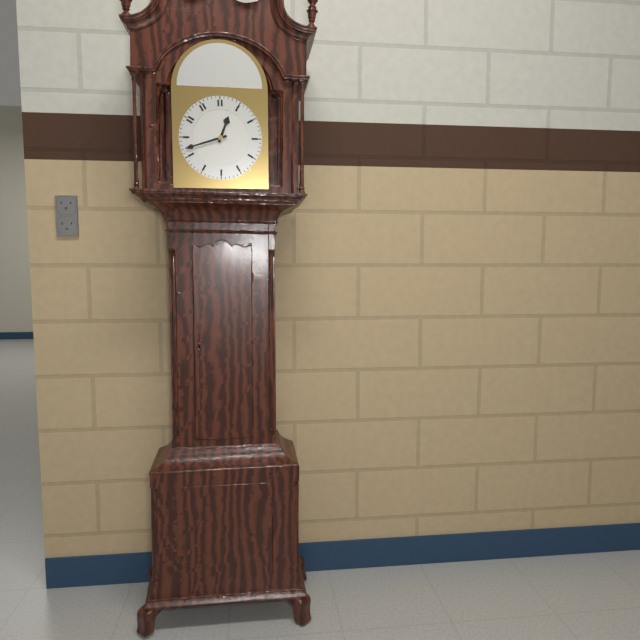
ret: 12:42
